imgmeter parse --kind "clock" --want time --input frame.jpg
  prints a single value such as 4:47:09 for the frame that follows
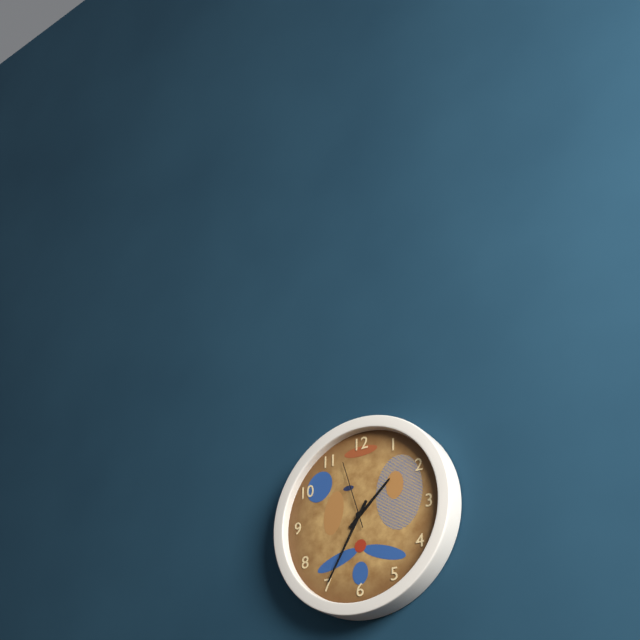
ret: 1:35:57
